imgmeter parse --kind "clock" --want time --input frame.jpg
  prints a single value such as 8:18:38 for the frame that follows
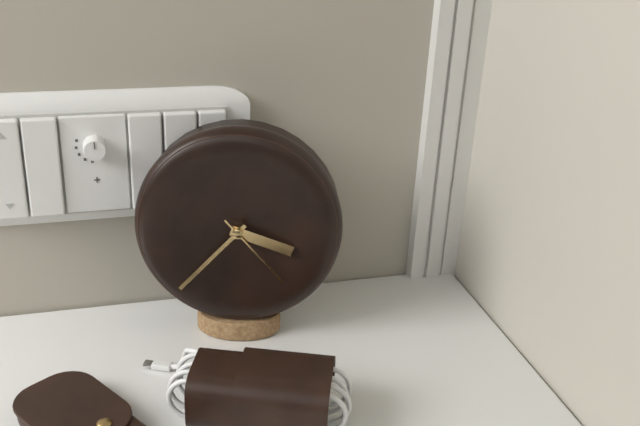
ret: 3:37:23
